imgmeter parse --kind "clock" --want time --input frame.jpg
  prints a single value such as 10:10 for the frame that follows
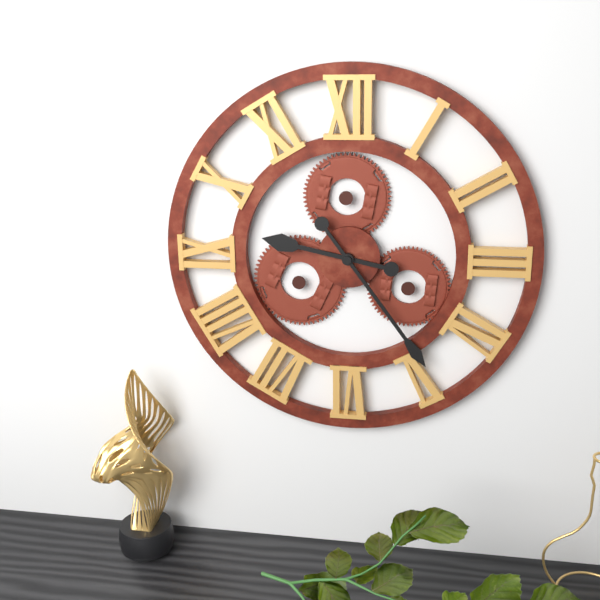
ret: 9:24
